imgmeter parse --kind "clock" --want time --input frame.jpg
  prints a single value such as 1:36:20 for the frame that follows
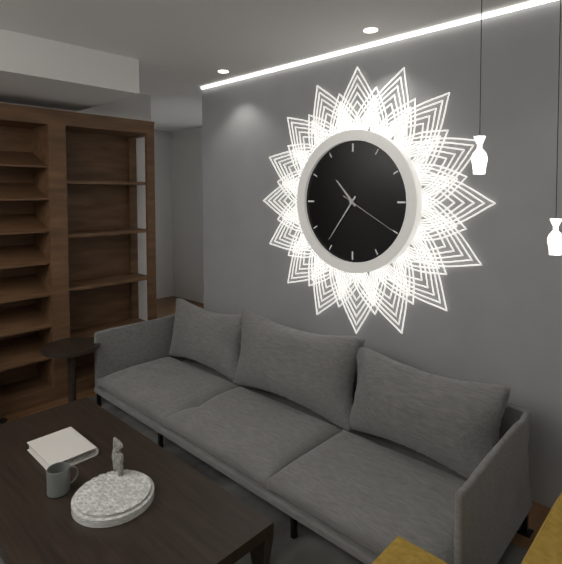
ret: 10:36:20
